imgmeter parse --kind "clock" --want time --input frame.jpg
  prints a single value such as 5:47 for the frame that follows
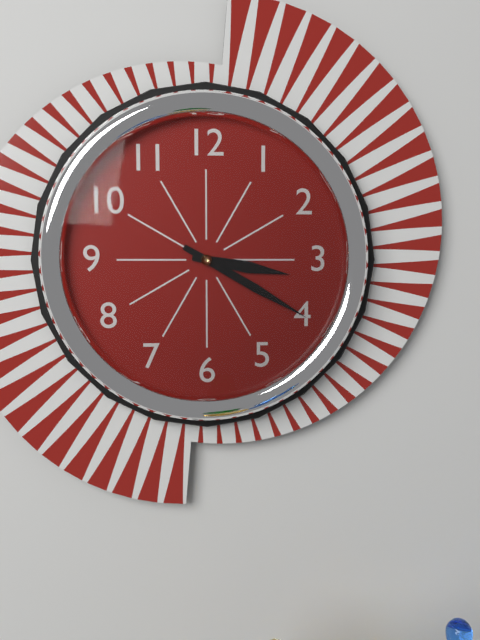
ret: 3:20
